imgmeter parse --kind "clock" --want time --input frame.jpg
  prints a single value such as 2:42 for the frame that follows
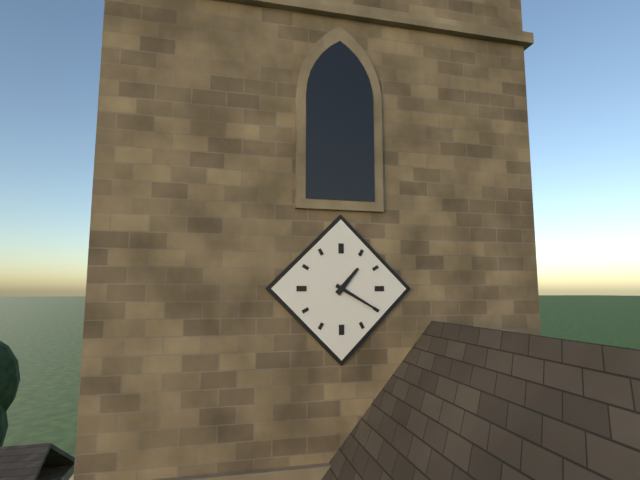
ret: 1:20
